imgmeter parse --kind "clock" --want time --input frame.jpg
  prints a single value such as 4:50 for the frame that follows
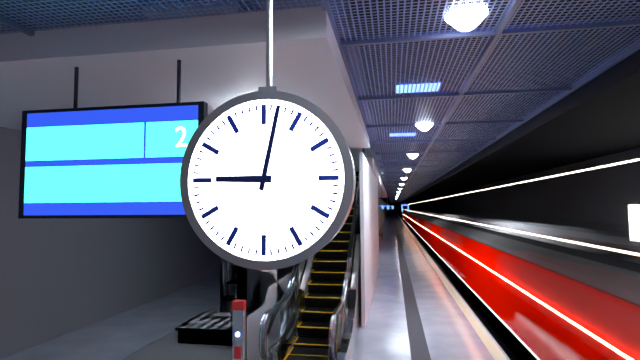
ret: 9:02
